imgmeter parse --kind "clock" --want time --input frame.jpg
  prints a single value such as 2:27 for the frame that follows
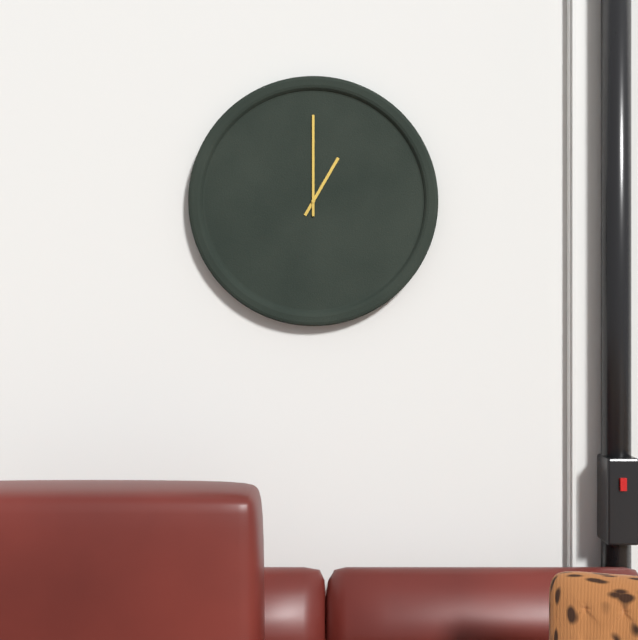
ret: 1:00
